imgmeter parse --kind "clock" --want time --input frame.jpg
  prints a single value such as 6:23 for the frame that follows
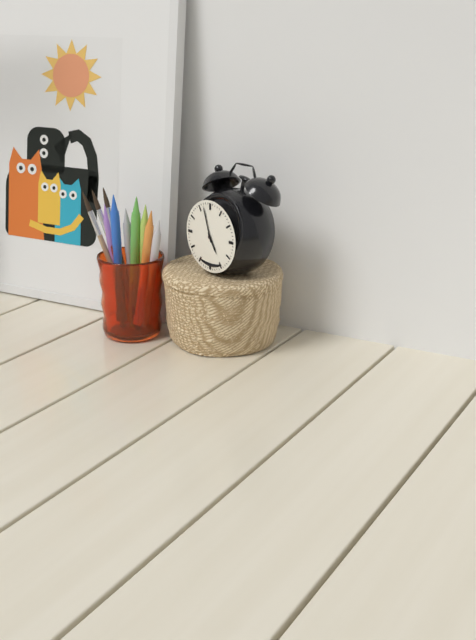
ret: 4:57
